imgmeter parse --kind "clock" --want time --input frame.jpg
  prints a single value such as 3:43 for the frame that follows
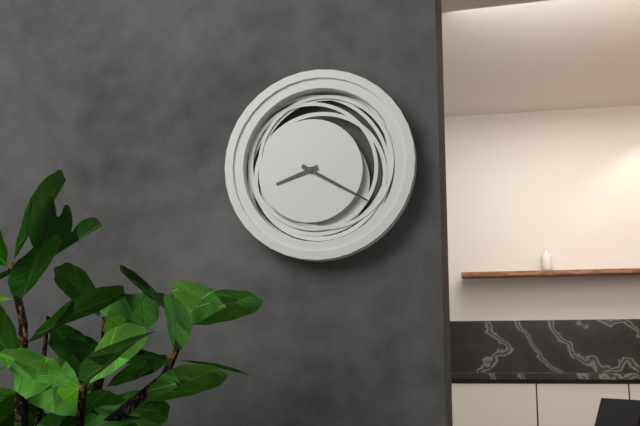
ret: 8:20
